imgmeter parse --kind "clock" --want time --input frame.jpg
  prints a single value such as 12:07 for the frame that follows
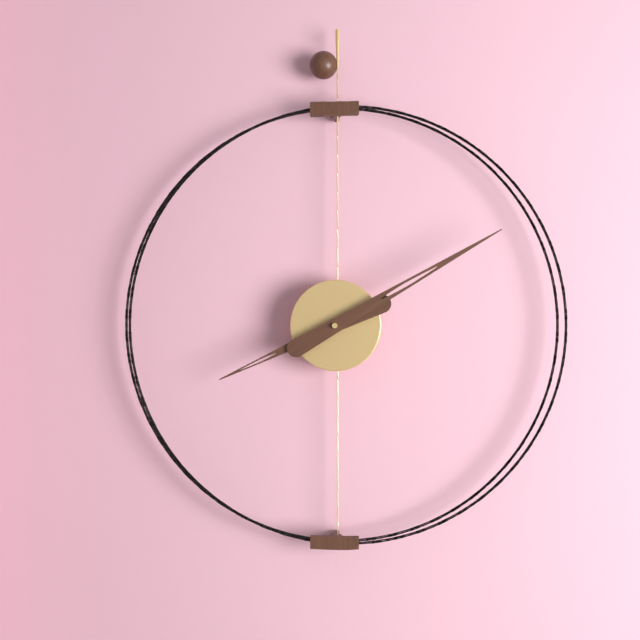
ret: 8:10
